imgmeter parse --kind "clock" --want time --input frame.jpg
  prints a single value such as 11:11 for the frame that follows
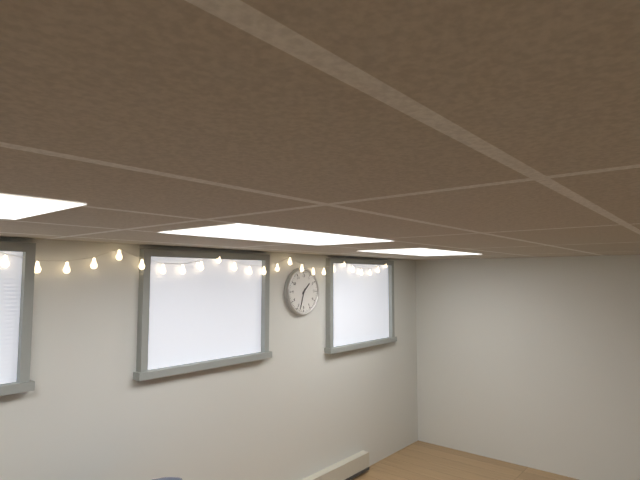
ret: 1:33
